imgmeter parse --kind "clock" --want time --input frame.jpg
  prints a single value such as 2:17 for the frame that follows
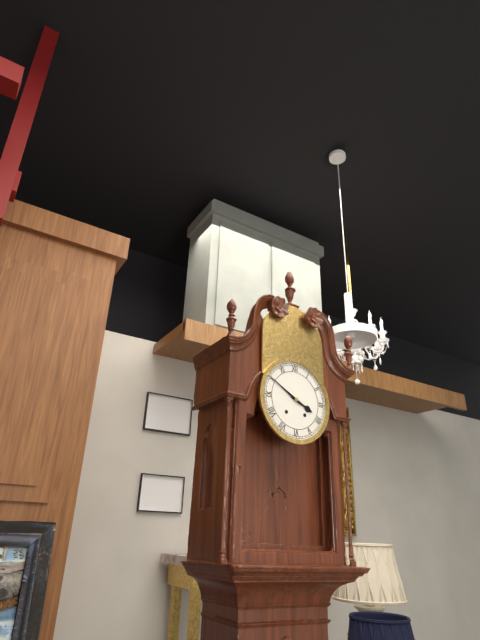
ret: 3:50
